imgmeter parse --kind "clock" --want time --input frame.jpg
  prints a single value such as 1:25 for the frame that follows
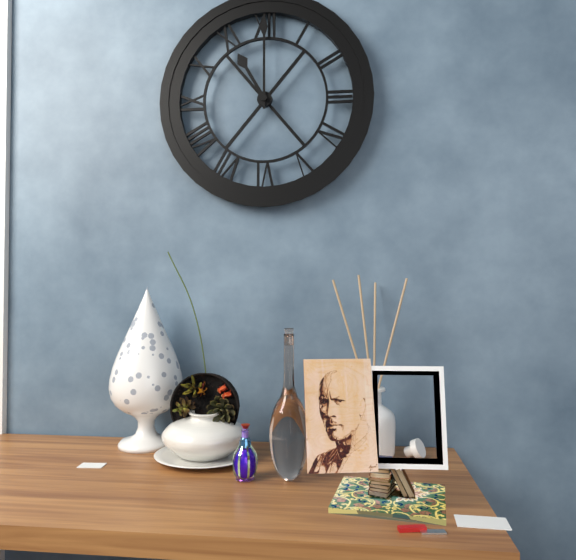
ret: 11:00
